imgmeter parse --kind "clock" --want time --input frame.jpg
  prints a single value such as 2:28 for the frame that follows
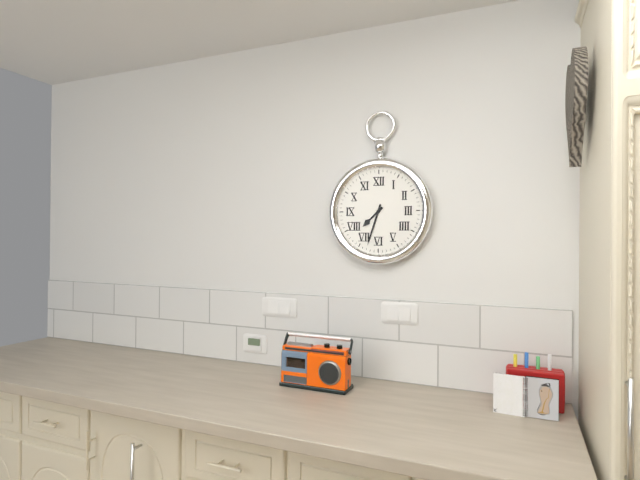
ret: 7:33
